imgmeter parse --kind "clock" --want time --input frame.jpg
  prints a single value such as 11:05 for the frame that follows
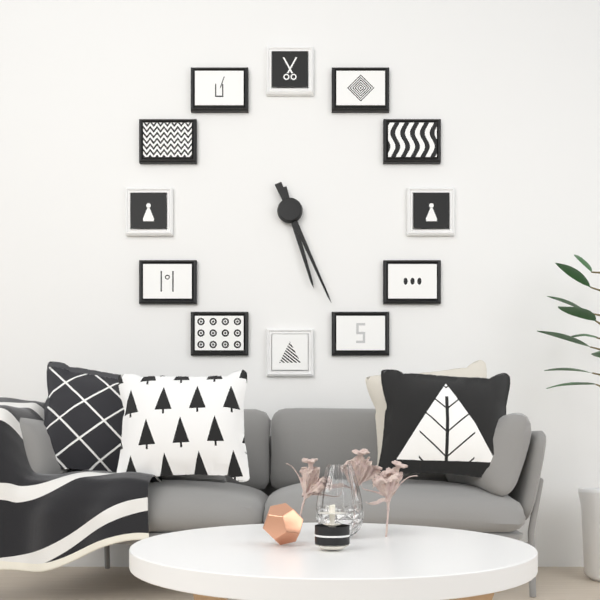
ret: 5:26
